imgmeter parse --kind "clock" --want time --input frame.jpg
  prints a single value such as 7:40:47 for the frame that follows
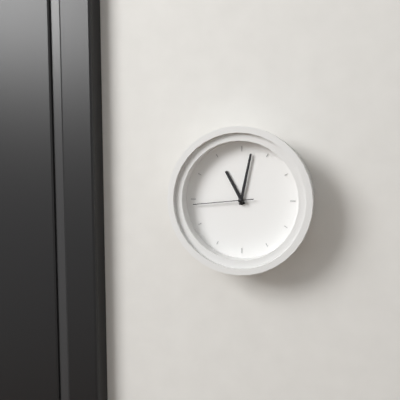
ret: 11:02:44
